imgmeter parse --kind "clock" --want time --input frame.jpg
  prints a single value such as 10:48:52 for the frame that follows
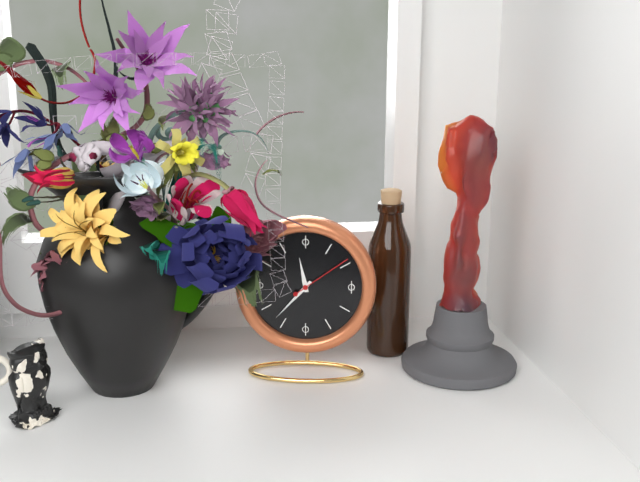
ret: 11:37:09
